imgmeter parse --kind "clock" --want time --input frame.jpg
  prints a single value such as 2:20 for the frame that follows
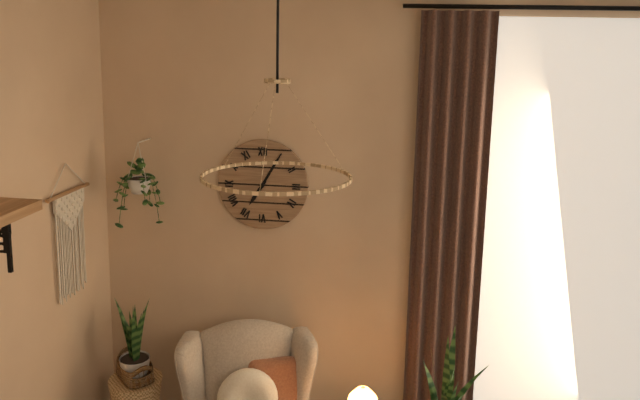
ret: 7:05
